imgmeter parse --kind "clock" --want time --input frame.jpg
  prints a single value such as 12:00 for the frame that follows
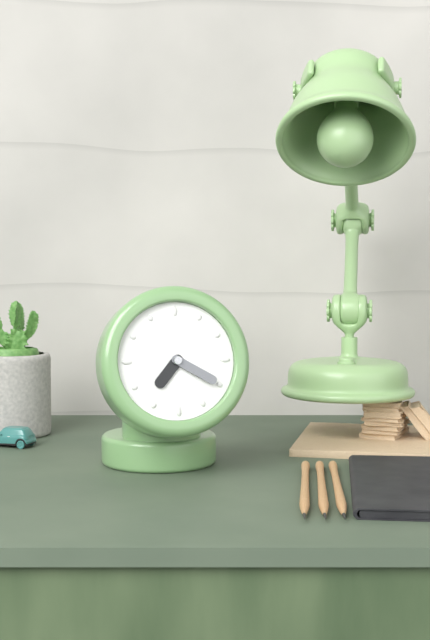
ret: 7:20
